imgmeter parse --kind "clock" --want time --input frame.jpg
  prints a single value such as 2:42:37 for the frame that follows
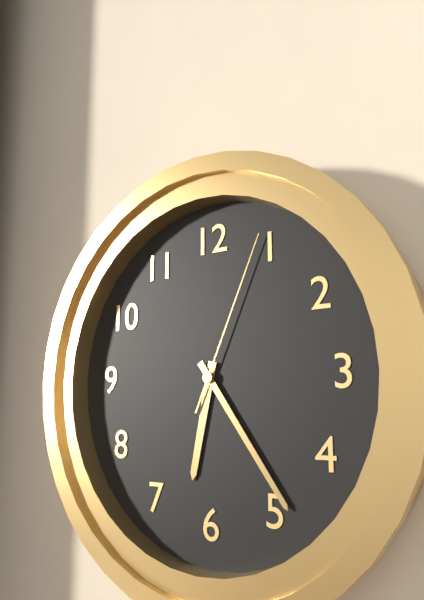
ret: 6:24:04
